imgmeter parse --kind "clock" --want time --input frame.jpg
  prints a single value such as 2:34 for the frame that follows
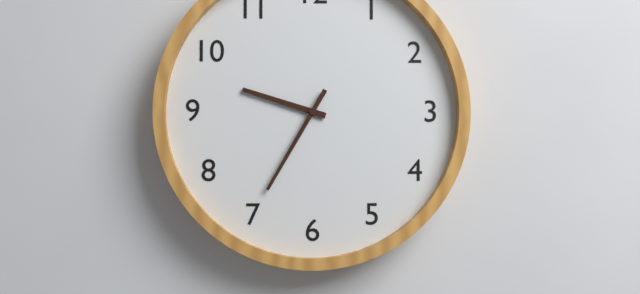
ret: 9:35
